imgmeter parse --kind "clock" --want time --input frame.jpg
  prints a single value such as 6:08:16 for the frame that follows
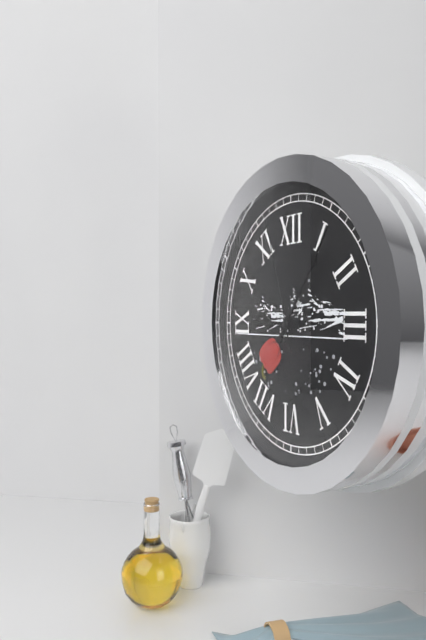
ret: 9:06:57
